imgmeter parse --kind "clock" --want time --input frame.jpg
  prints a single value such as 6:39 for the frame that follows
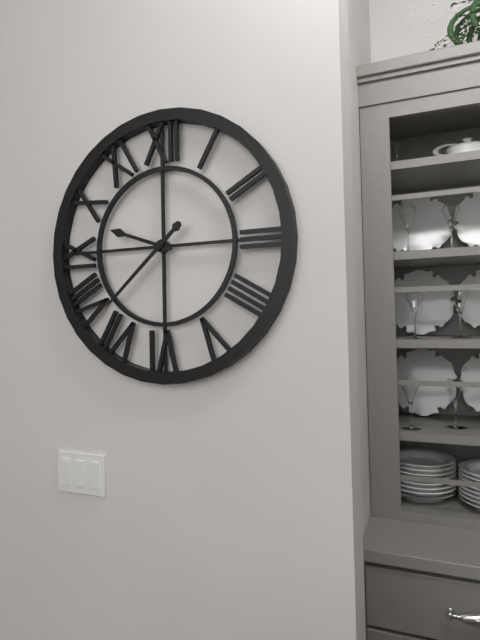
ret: 9:38
